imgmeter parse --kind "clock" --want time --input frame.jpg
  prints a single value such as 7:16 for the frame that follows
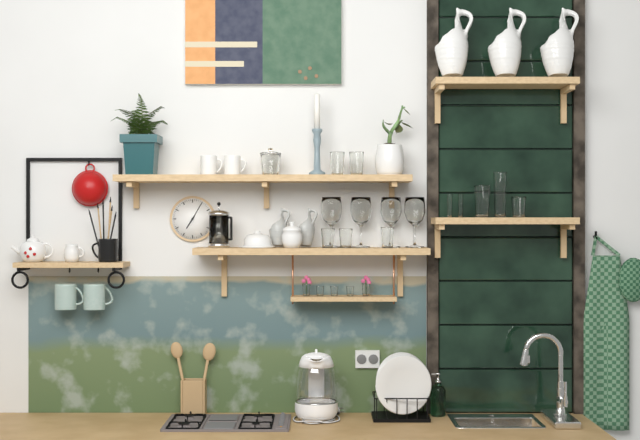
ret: 7:05
